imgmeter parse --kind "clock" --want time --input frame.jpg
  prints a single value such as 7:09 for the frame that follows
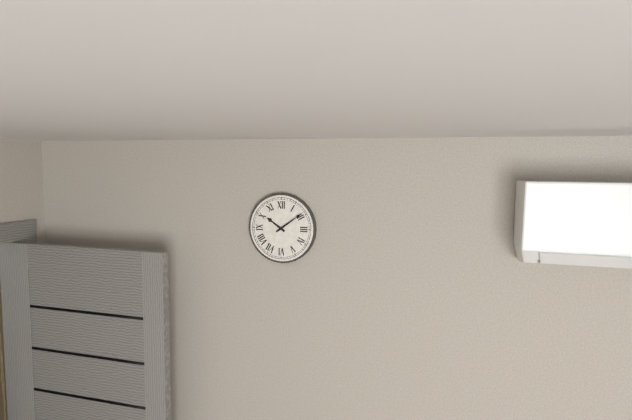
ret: 10:09
